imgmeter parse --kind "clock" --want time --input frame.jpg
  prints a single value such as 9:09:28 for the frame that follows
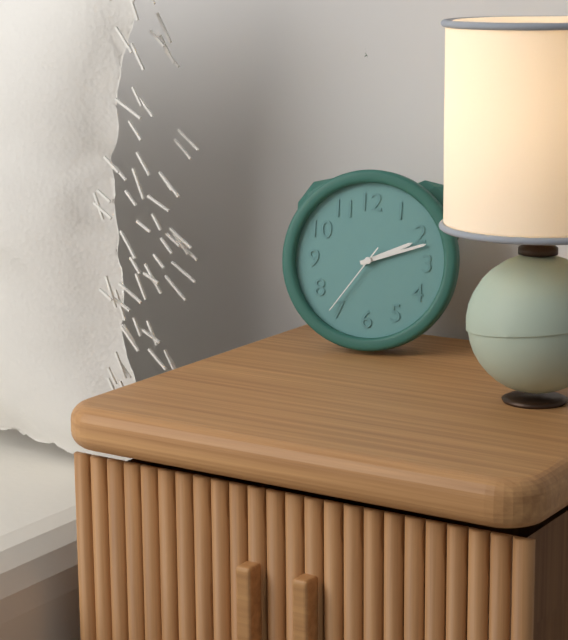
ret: 2:12:36
